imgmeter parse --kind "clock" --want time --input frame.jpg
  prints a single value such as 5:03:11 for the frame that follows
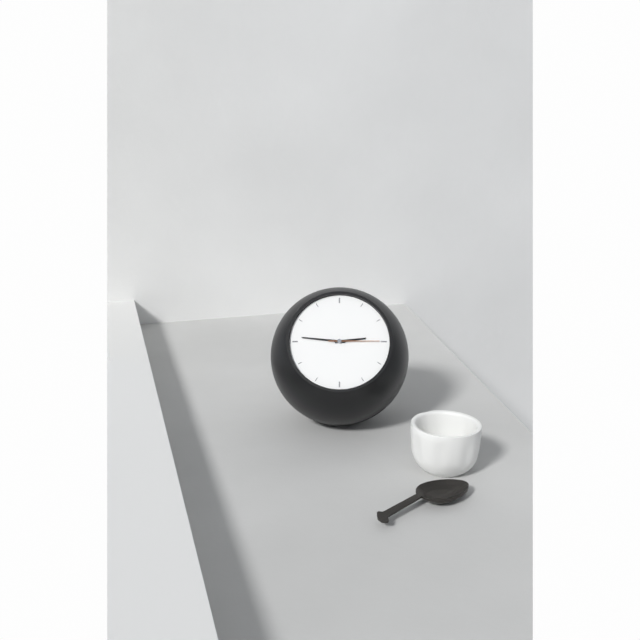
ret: 2:46:15
